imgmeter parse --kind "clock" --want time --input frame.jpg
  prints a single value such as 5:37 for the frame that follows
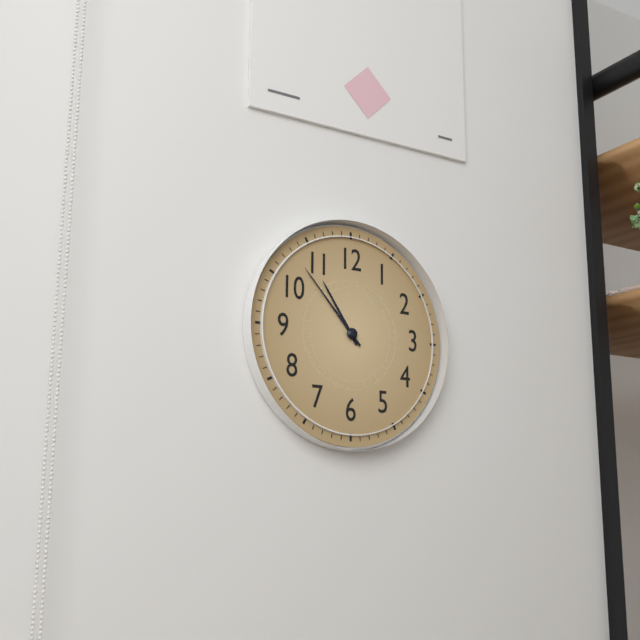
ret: 10:53
